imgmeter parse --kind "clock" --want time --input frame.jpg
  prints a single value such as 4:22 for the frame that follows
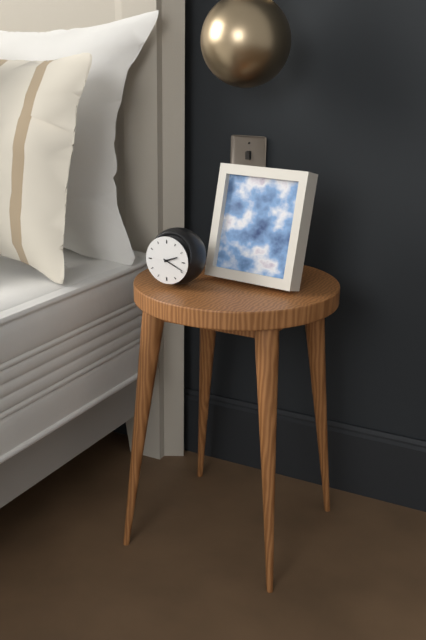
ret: 2:19
